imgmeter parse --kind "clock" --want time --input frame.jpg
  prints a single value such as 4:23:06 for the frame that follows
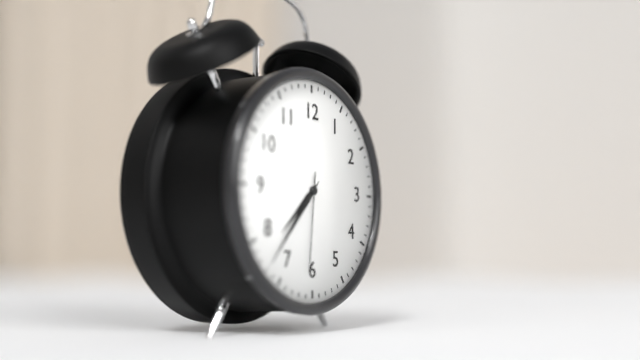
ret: 7:37:31
